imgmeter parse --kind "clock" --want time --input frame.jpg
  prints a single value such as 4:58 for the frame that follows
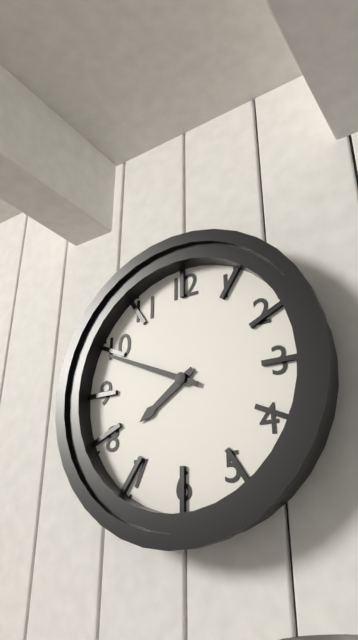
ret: 7:49
